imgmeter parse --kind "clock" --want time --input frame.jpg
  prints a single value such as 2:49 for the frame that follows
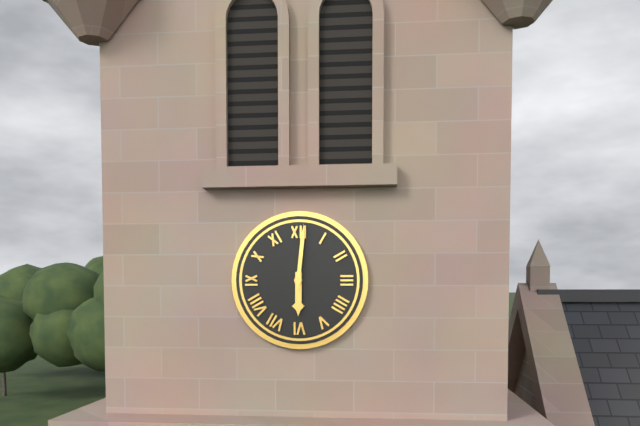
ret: 6:01
